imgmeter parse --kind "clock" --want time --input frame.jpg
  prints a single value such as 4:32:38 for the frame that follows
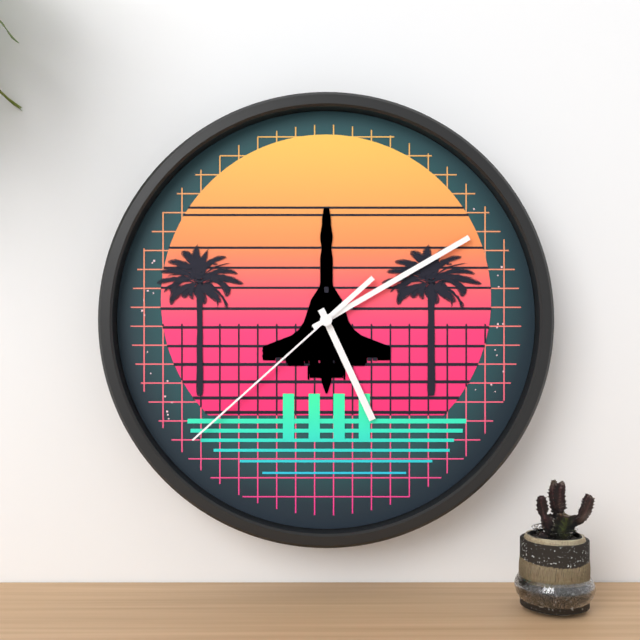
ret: 5:10:38
